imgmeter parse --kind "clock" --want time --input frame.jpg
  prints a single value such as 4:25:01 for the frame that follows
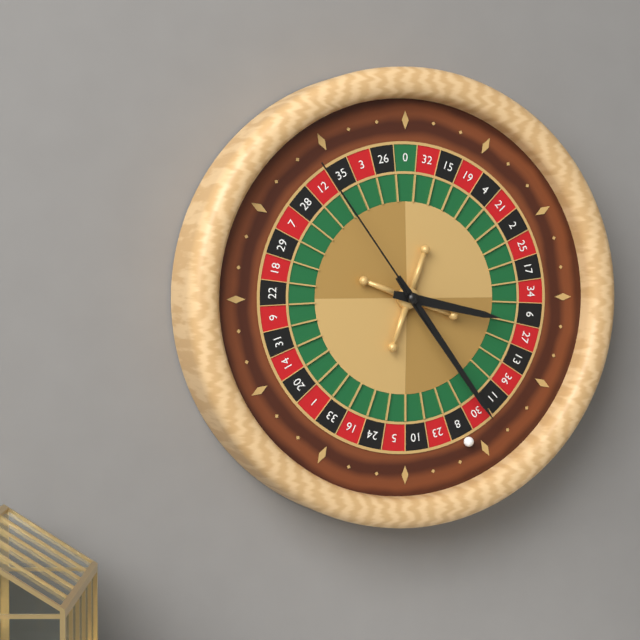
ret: 3:24:54
